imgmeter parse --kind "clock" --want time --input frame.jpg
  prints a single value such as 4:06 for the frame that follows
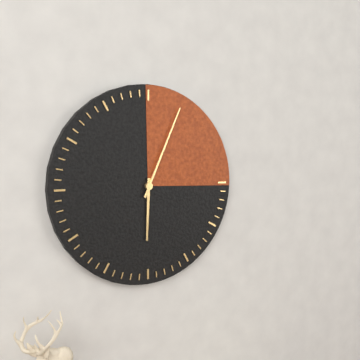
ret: 6:04
